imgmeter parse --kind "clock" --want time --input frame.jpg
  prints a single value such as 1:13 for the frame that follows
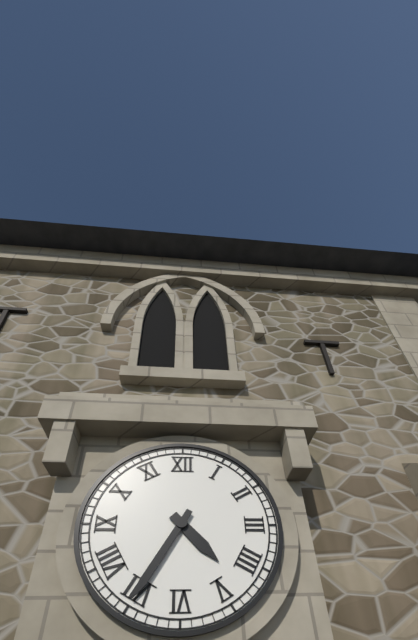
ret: 4:35
